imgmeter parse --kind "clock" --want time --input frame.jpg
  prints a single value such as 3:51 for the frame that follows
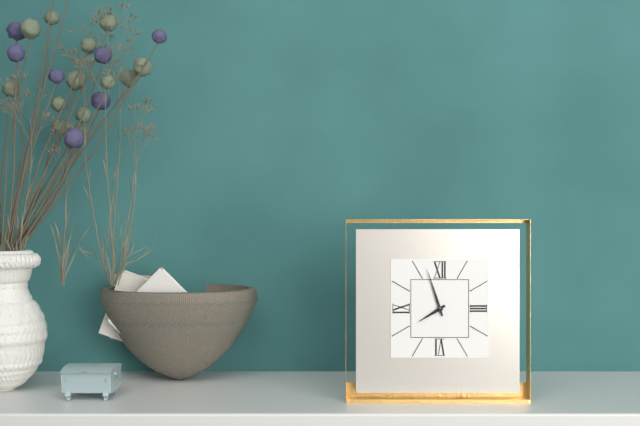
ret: 7:57
